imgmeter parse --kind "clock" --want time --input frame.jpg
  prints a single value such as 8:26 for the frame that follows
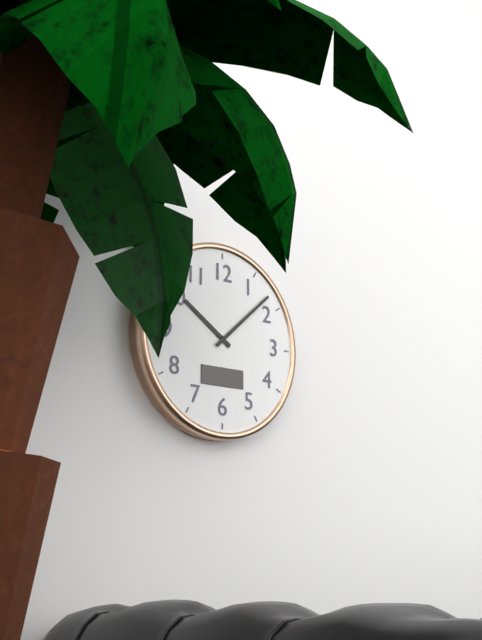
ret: 10:08
